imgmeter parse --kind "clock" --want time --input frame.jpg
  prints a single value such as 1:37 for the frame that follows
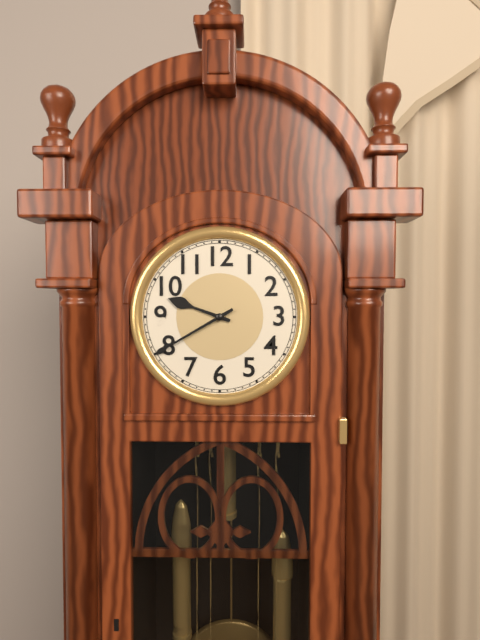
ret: 9:40
